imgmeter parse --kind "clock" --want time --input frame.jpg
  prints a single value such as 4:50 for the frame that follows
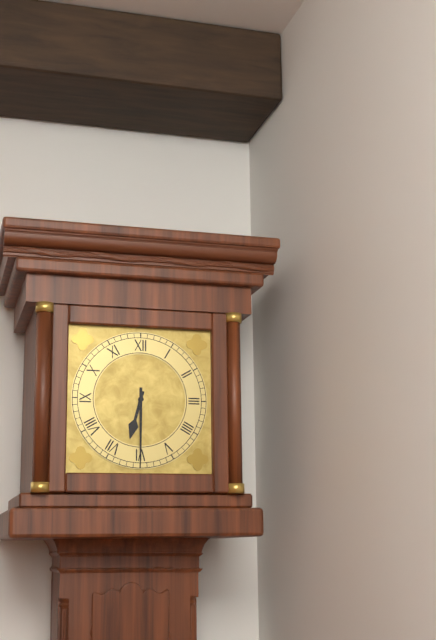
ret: 6:30
